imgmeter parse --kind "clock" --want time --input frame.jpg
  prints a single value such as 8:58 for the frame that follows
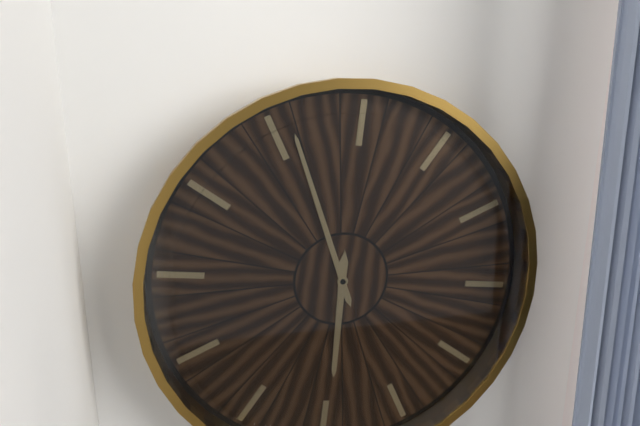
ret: 5:56
